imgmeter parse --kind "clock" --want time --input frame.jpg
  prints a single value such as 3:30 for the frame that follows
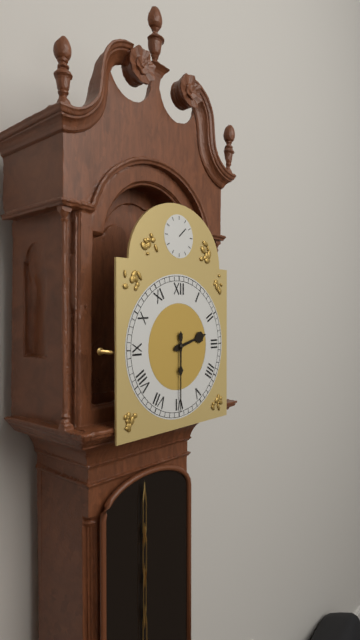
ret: 2:30
